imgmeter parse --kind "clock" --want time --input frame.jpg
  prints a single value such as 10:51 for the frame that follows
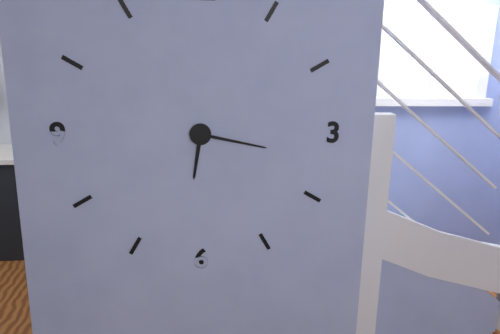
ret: 6:17
